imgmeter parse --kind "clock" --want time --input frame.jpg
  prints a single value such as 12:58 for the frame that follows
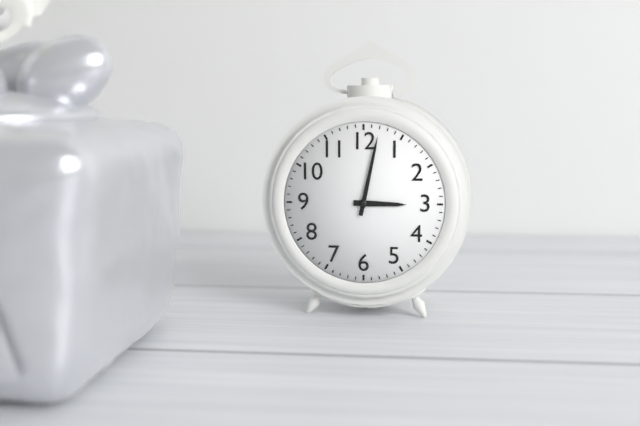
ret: 3:02
